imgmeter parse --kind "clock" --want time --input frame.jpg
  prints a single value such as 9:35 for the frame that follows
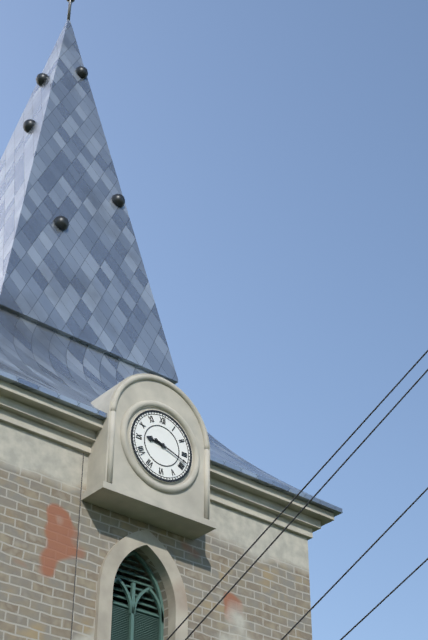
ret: 9:18
